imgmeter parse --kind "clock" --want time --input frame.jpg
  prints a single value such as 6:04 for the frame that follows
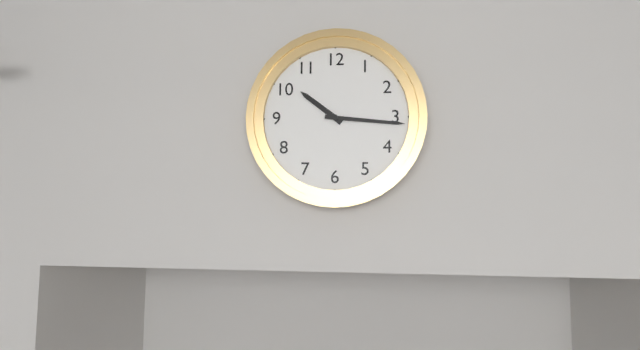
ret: 10:16
